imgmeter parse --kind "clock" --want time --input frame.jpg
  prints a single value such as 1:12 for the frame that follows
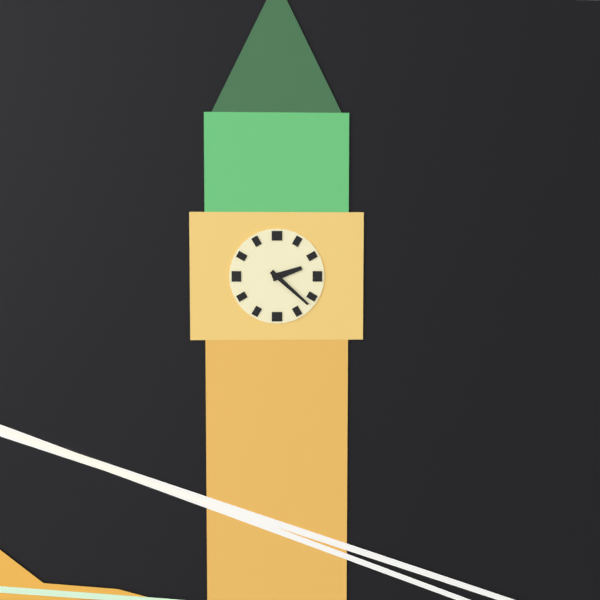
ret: 2:22
